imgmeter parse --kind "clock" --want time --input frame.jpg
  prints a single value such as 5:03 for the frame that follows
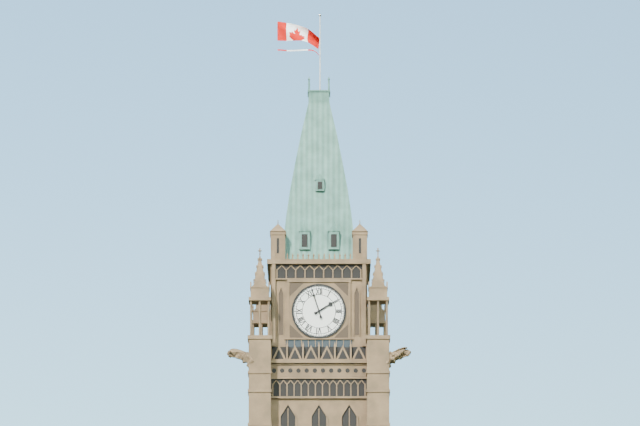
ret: 1:57
